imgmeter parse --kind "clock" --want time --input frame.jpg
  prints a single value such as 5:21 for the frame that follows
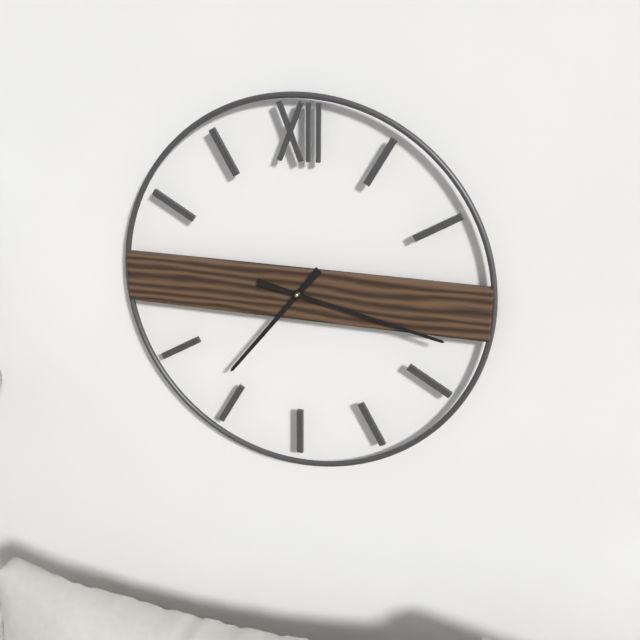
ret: 7:17
